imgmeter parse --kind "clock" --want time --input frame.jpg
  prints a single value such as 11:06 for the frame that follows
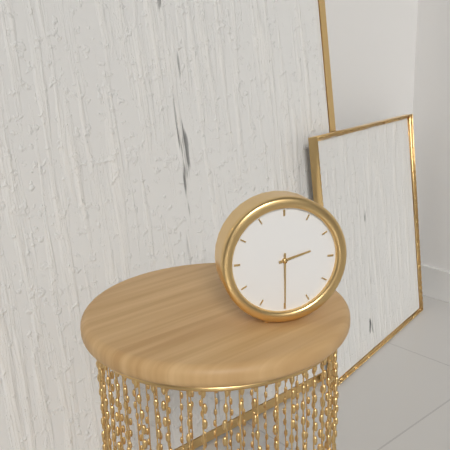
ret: 2:30
